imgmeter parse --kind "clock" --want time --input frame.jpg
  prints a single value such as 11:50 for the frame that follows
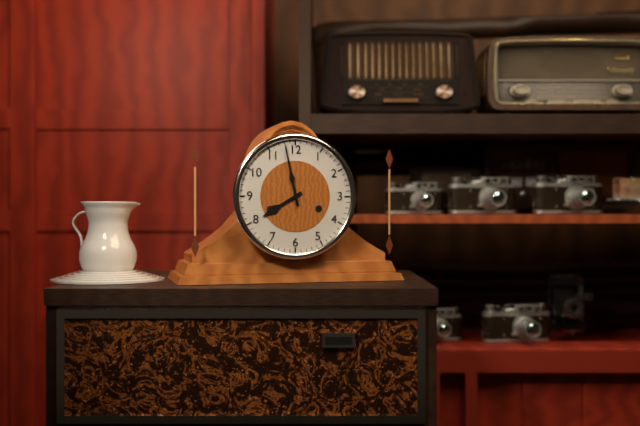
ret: 7:58
